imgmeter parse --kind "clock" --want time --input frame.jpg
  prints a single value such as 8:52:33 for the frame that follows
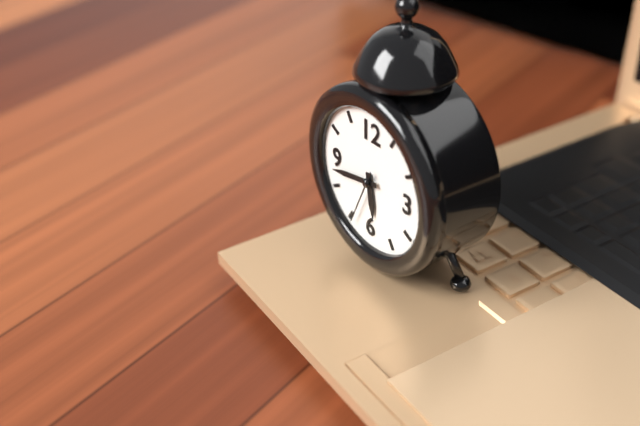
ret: 5:43:34
